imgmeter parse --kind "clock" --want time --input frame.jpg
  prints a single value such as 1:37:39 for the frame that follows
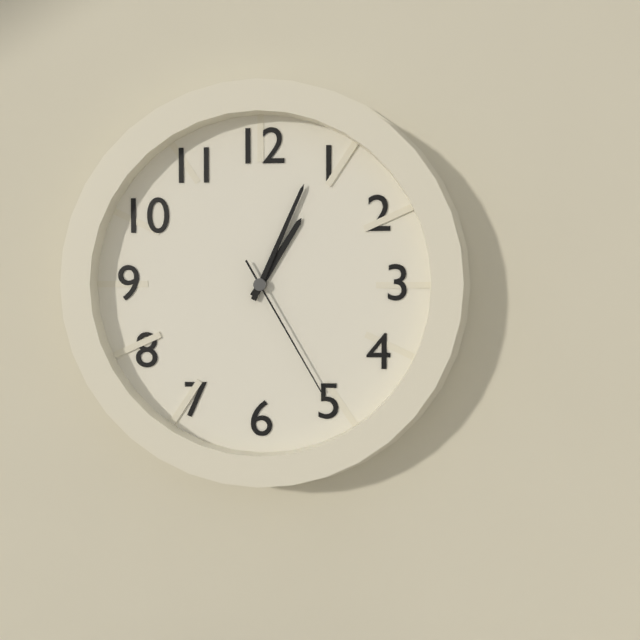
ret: 1:04:25
